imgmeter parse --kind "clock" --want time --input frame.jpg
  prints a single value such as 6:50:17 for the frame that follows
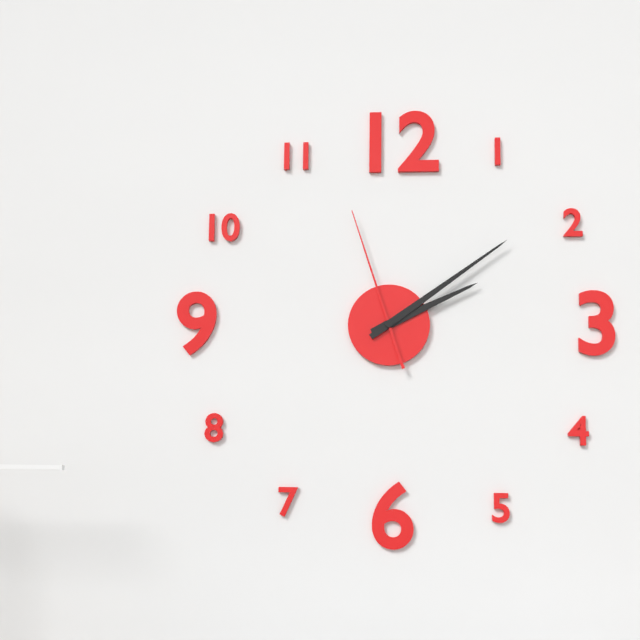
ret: 2:09:57
